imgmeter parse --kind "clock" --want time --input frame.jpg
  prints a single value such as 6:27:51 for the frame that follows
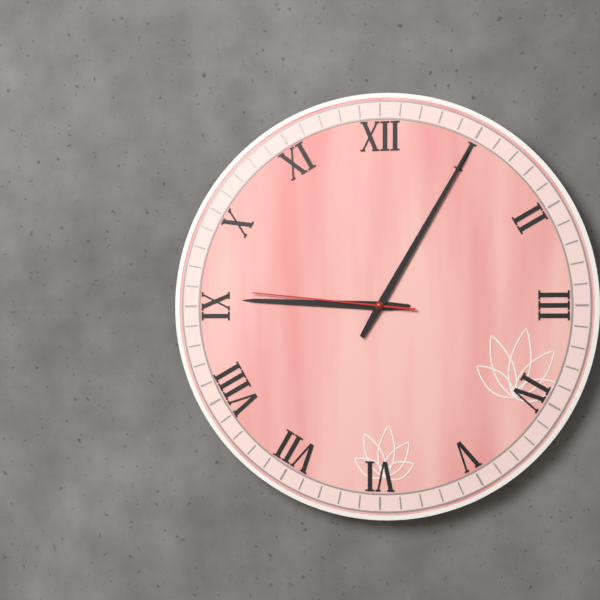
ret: 9:05:46
